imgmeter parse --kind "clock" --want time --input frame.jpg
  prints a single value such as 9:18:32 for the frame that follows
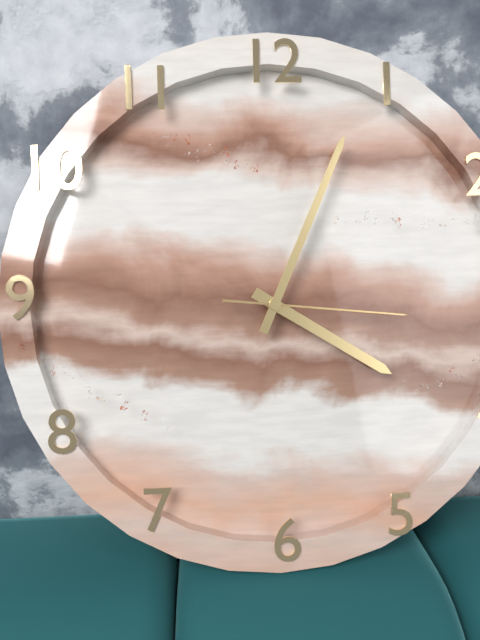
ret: 4:04:16
